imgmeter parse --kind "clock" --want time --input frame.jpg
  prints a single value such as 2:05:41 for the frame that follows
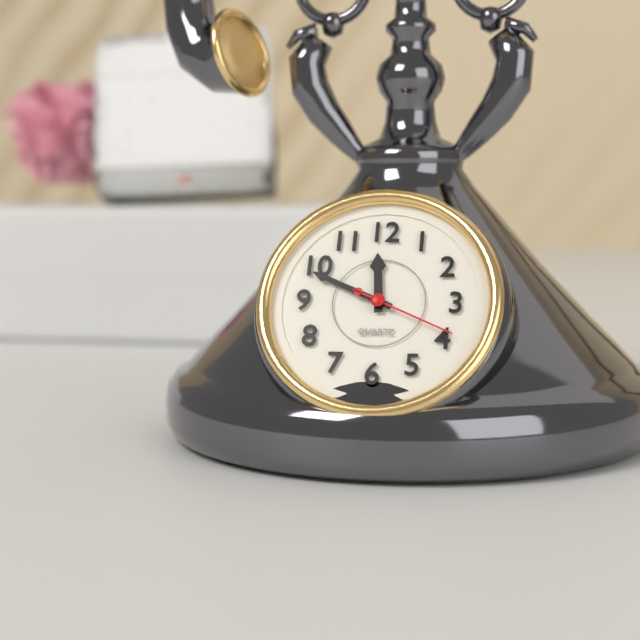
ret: 11:49:19
